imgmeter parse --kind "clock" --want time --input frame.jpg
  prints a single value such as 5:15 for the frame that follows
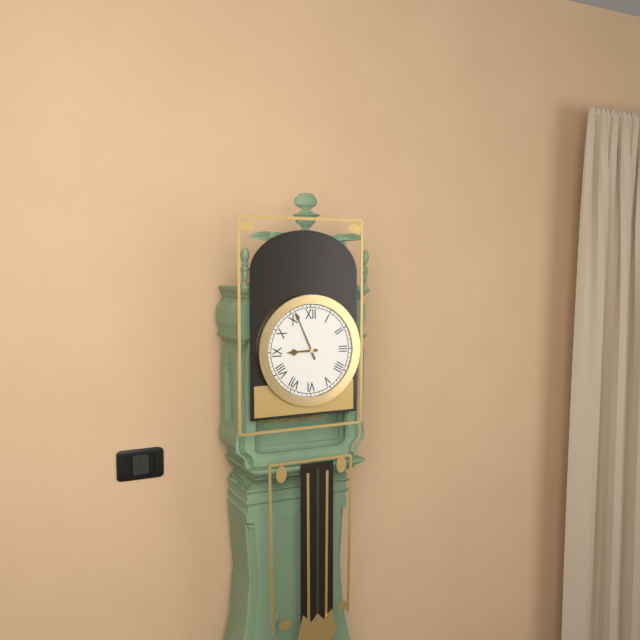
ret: 8:56
